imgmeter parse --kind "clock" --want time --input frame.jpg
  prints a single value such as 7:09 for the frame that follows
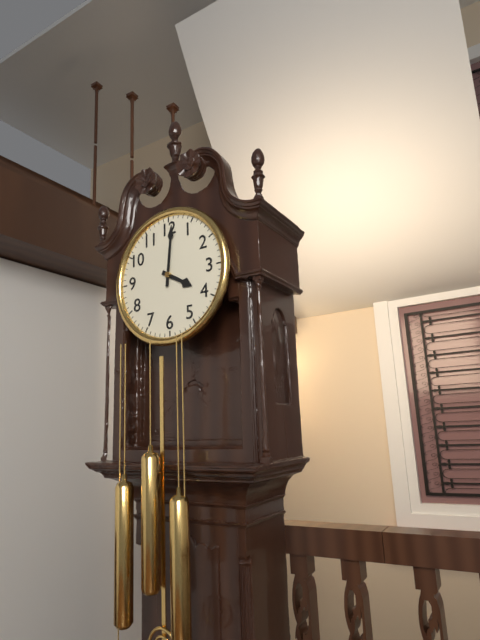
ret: 4:01
